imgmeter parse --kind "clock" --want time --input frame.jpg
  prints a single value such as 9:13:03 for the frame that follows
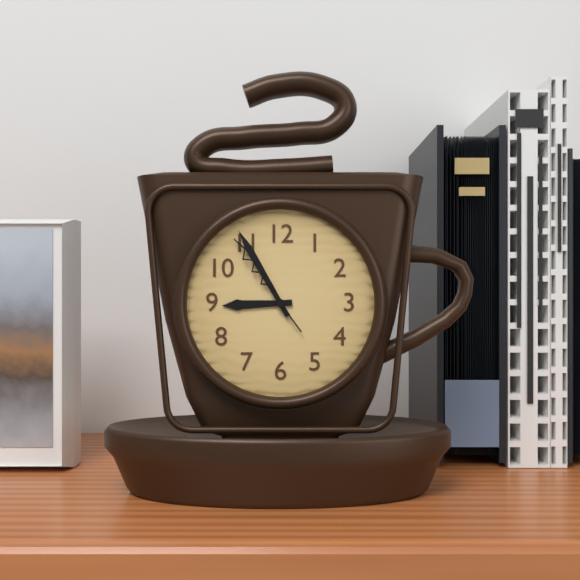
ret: 8:55:54
